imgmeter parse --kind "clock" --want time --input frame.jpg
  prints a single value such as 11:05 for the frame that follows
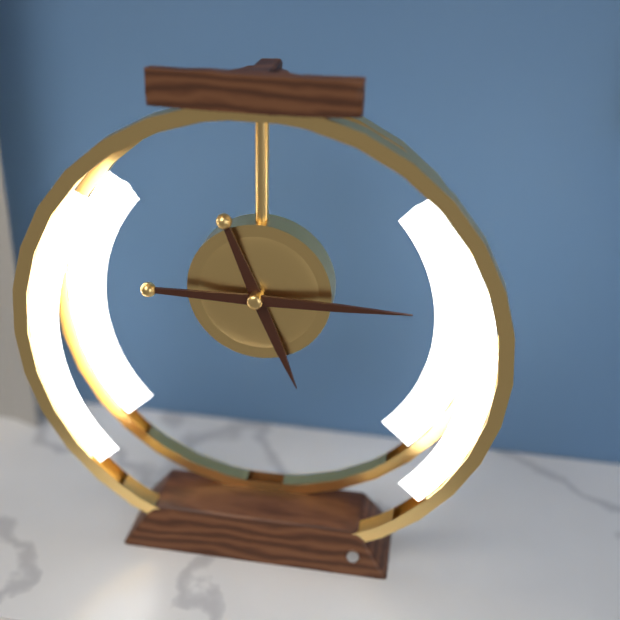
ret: 5:15
